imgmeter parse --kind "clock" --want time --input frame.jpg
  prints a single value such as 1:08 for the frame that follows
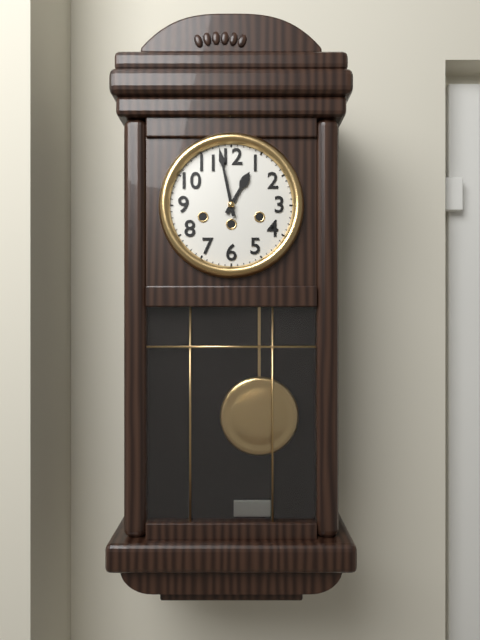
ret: 12:58
